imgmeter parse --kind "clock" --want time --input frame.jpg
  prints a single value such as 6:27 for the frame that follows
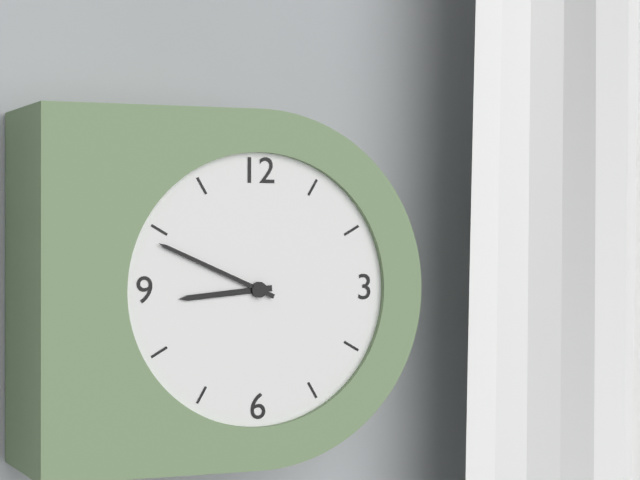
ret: 8:49
